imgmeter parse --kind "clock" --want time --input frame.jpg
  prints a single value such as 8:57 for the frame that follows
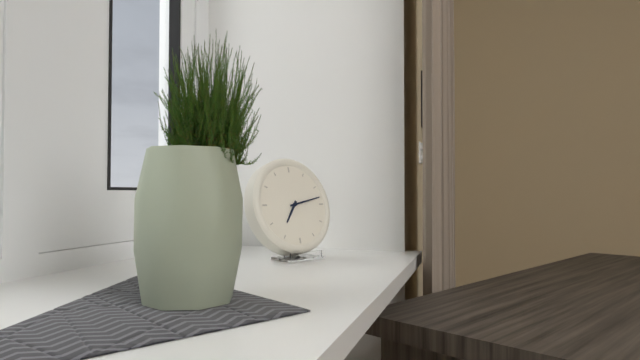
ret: 7:13
